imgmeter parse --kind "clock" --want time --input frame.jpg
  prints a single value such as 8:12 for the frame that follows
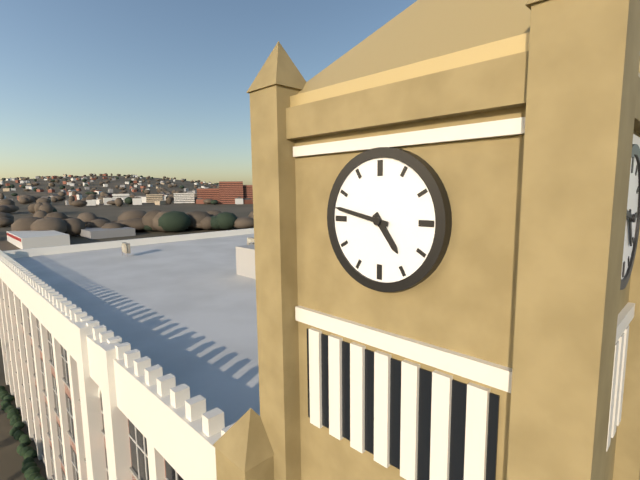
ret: 4:47
